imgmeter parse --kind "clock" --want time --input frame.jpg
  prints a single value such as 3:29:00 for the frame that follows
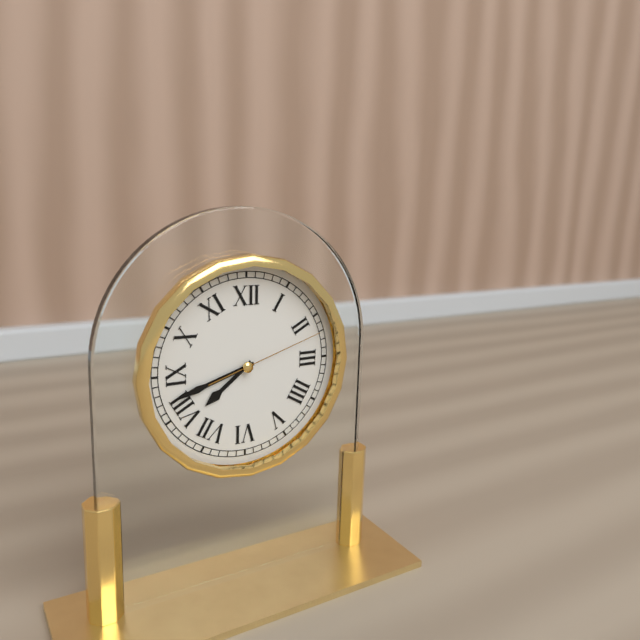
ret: 7:42:12
